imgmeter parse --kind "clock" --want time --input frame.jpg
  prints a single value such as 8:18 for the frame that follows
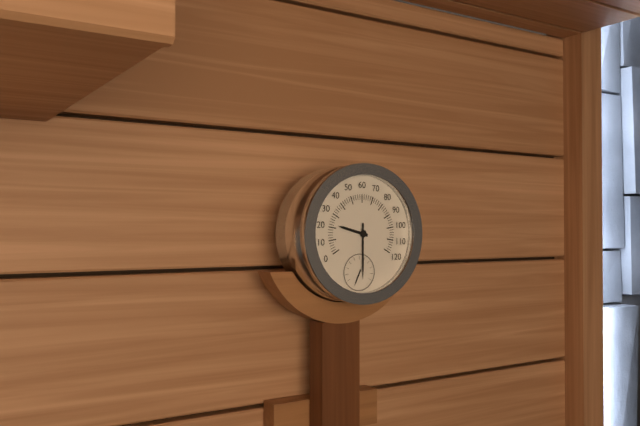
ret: 9:30
